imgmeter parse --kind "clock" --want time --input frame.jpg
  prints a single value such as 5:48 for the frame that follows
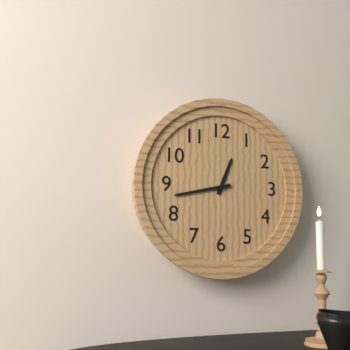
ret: 12:43
